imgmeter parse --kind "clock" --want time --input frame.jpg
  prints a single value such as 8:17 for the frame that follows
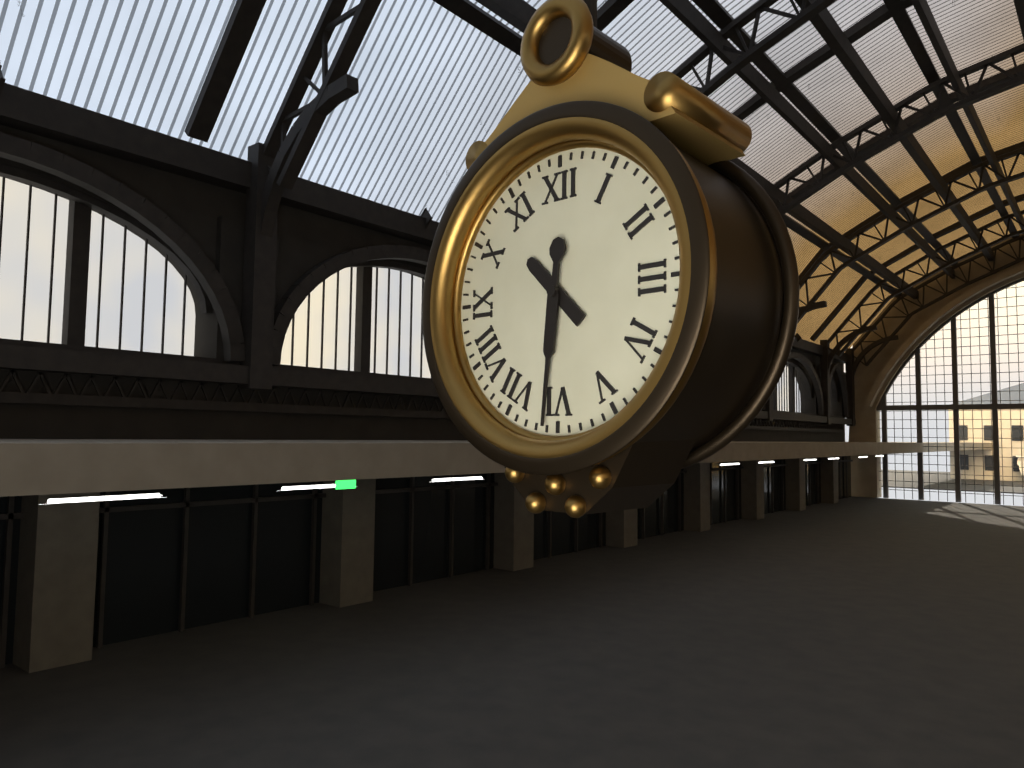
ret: 10:31
